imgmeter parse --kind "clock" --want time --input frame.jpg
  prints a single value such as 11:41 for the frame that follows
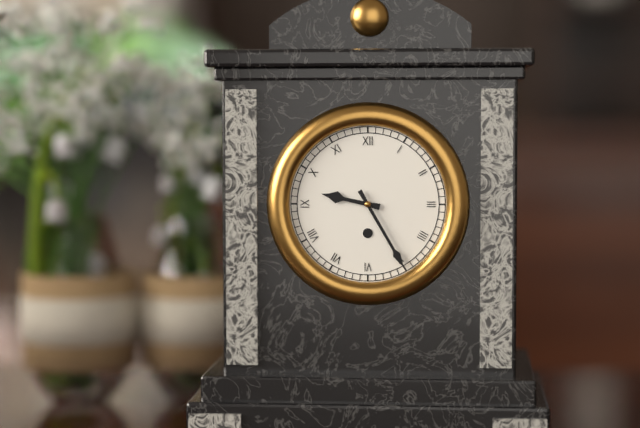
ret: 9:25
